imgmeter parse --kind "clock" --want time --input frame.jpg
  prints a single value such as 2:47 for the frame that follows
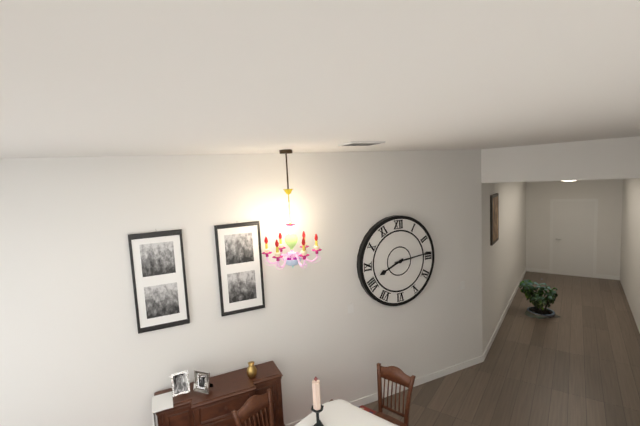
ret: 8:14
